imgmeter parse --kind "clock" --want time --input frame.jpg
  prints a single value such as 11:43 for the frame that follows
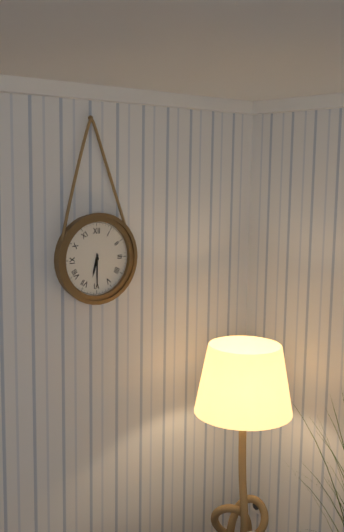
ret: 6:30
